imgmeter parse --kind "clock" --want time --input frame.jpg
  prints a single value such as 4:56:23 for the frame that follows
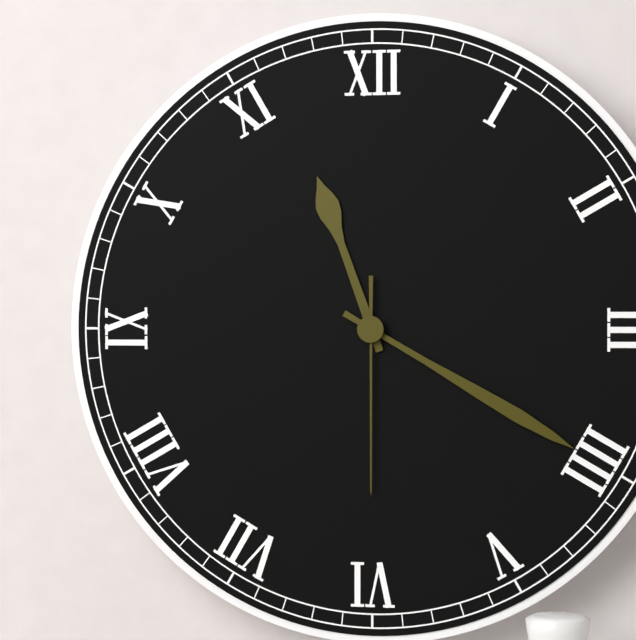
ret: 11:20:30
